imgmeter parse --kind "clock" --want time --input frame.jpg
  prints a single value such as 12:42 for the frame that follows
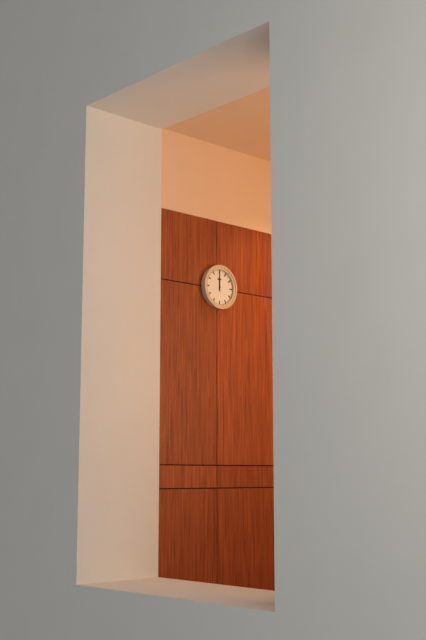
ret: 12:00
